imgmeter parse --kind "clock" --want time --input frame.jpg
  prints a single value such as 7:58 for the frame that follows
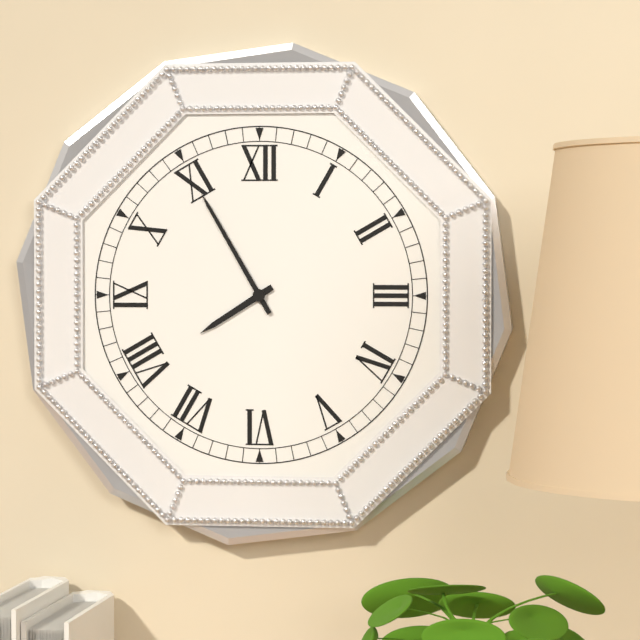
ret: 7:55
